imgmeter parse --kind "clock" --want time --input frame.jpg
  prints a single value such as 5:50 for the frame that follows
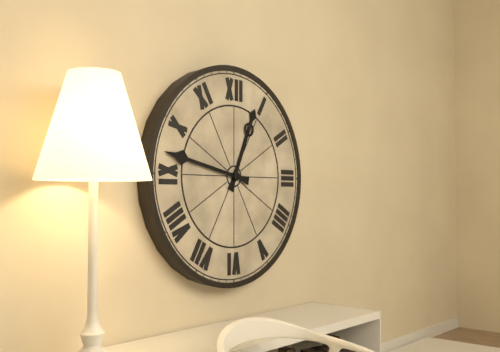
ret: 12:47
